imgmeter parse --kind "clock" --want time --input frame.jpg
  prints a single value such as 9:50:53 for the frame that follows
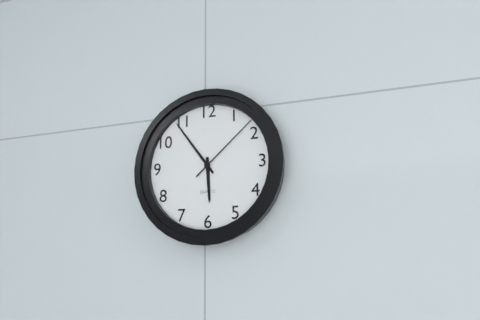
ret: 5:54:08
